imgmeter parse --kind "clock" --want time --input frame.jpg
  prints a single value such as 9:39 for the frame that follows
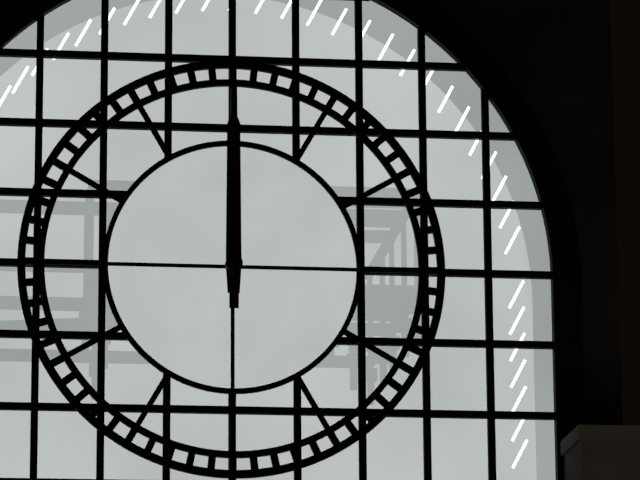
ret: 12:00
